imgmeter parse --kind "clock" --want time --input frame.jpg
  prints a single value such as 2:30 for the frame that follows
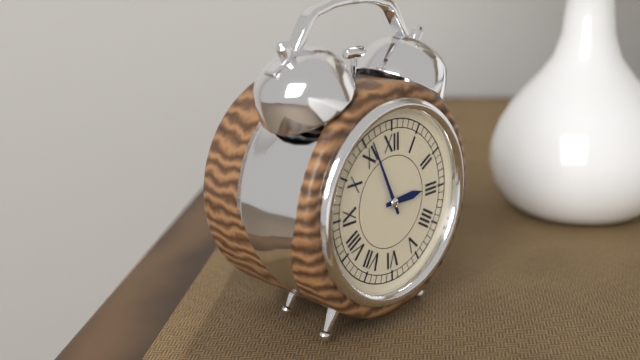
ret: 2:56
